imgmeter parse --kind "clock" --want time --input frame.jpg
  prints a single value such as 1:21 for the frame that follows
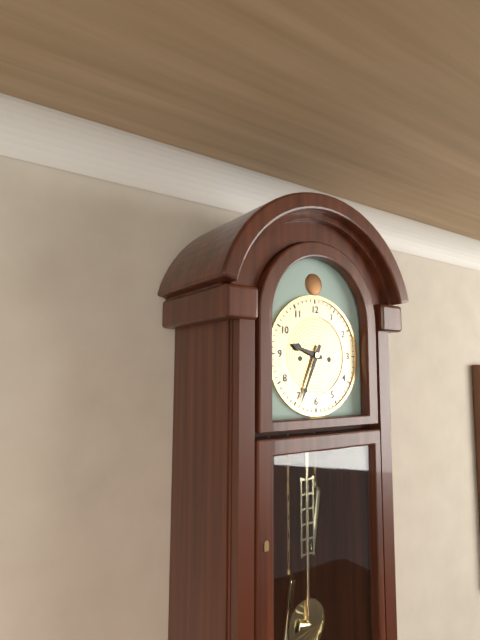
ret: 9:34
